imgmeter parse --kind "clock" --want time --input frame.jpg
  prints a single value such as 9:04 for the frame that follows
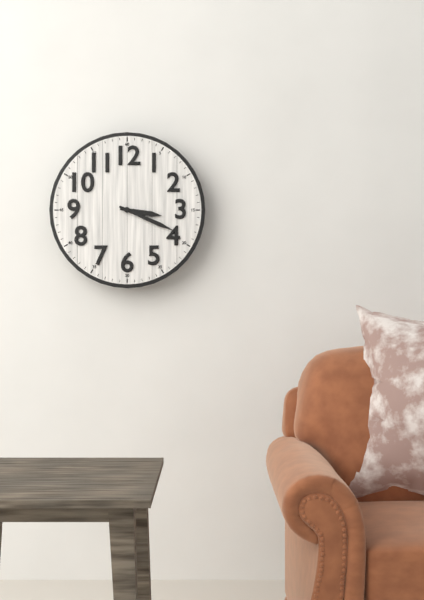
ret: 3:19
